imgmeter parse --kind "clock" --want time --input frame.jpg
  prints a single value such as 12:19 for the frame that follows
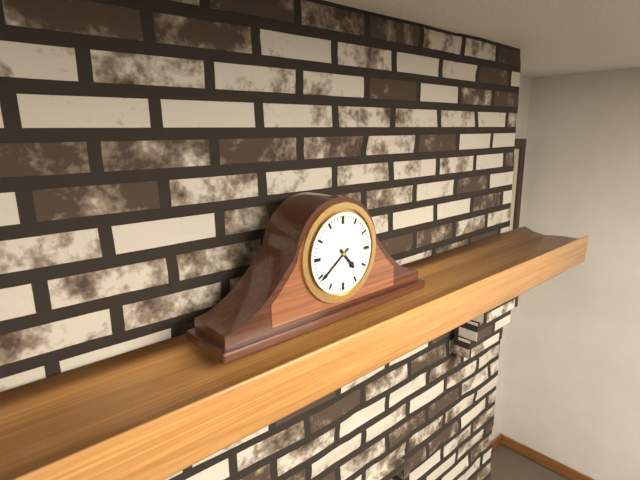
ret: 4:39
